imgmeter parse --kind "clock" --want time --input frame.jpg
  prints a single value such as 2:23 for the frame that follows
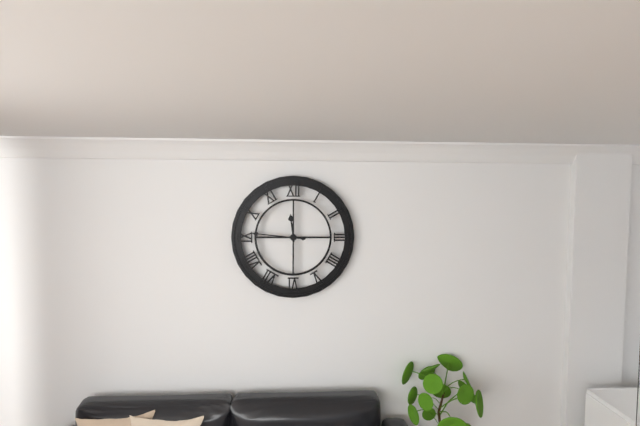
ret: 11:46
